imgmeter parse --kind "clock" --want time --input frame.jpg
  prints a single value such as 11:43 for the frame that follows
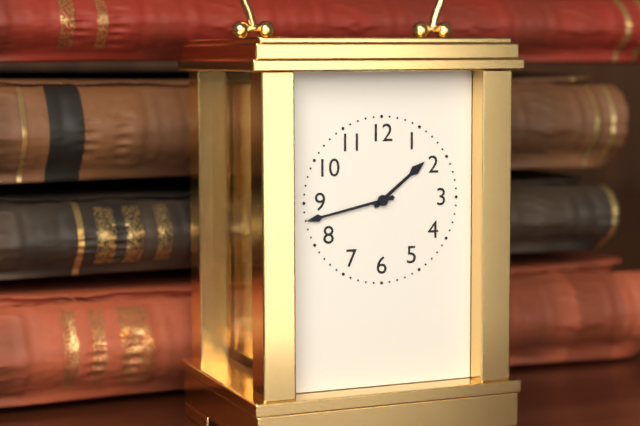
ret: 1:43
